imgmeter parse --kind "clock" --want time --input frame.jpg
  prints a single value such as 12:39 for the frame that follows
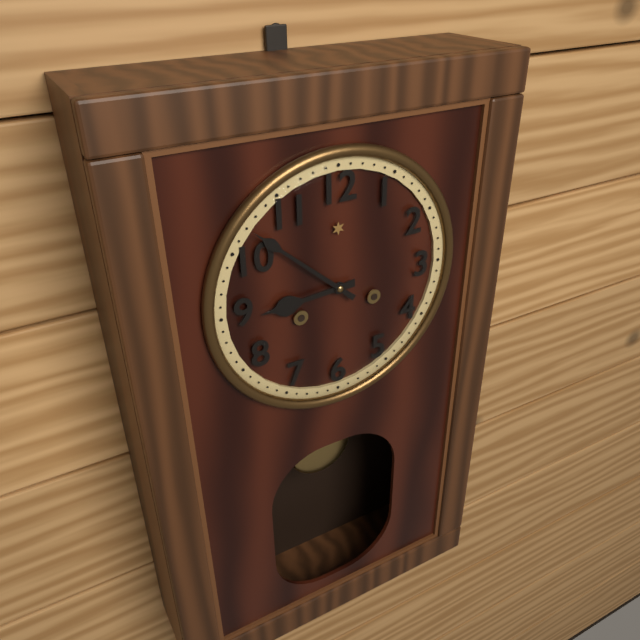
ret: 8:52
